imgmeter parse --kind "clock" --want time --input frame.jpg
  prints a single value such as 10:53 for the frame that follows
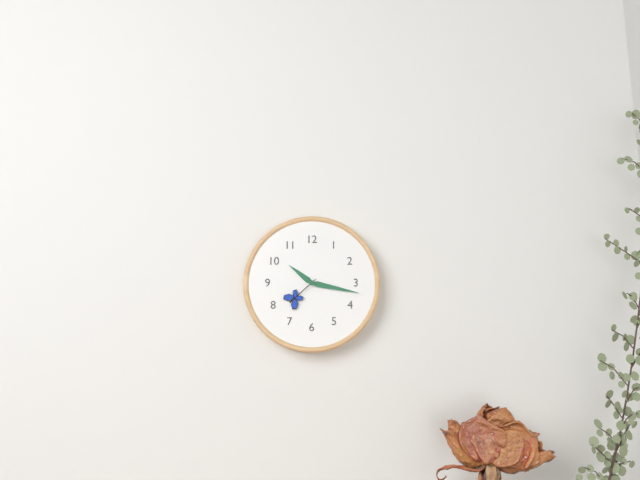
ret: 10:17
